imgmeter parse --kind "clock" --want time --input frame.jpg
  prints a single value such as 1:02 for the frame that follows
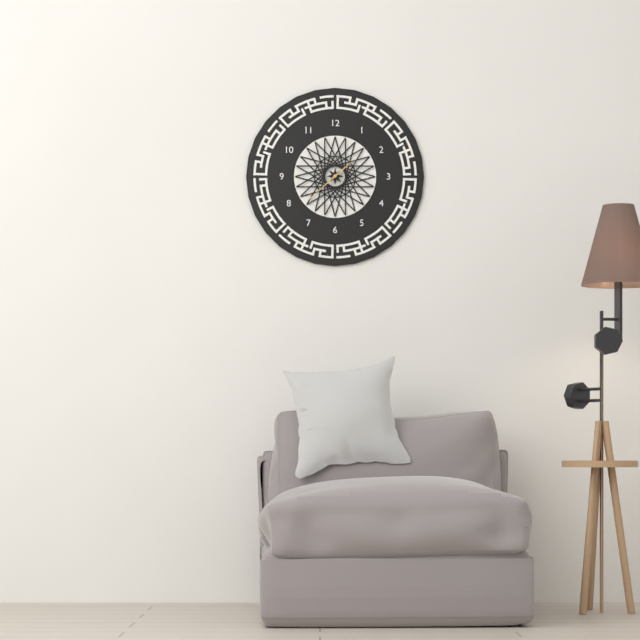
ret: 1:38
